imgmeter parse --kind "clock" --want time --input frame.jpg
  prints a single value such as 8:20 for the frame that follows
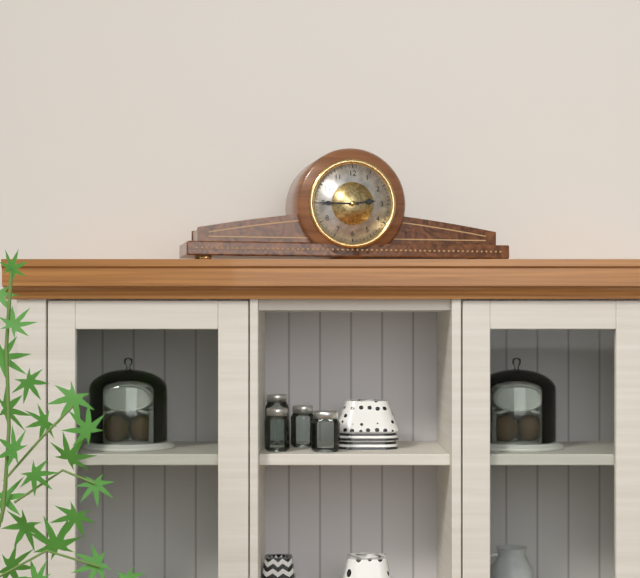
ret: 2:45
